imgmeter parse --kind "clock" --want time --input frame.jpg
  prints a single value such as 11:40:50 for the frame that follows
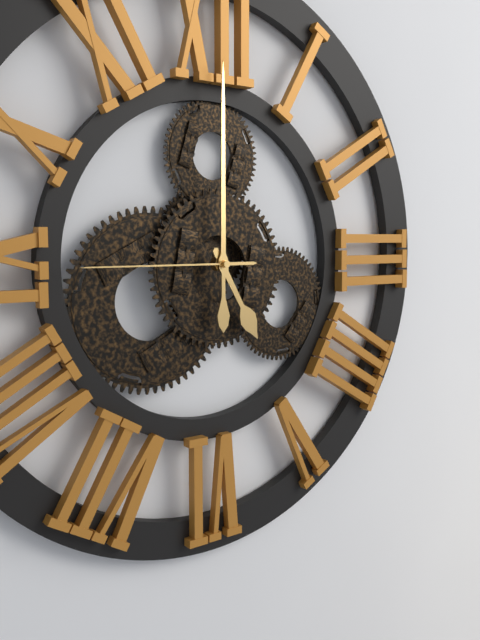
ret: 5:00:45
